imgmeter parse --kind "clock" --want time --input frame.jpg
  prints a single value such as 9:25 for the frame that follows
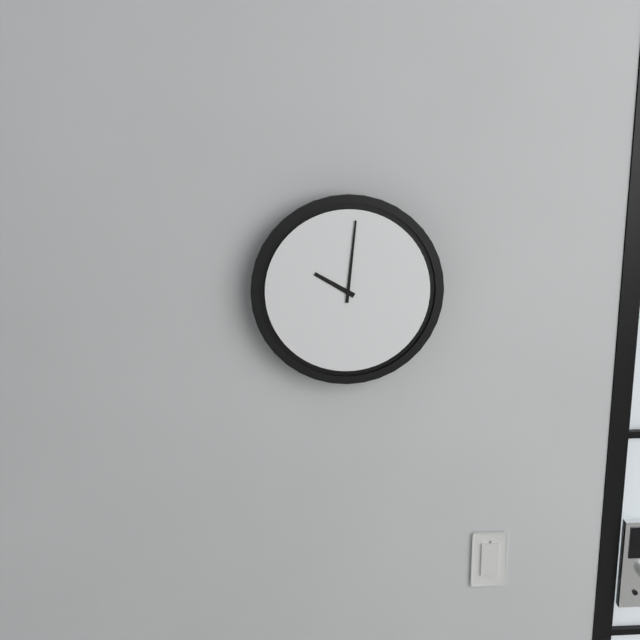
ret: 10:01
